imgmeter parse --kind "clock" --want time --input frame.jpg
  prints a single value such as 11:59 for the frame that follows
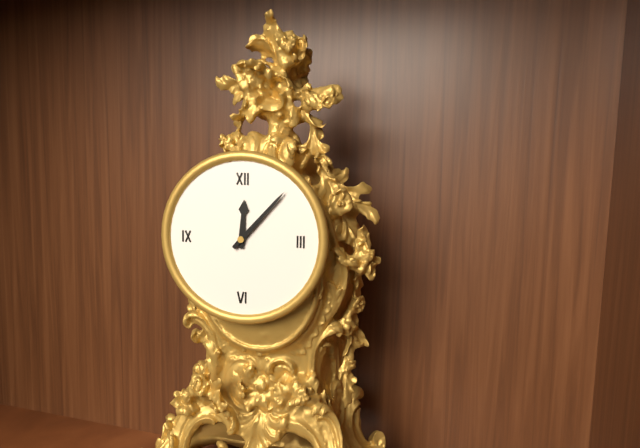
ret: 12:07
